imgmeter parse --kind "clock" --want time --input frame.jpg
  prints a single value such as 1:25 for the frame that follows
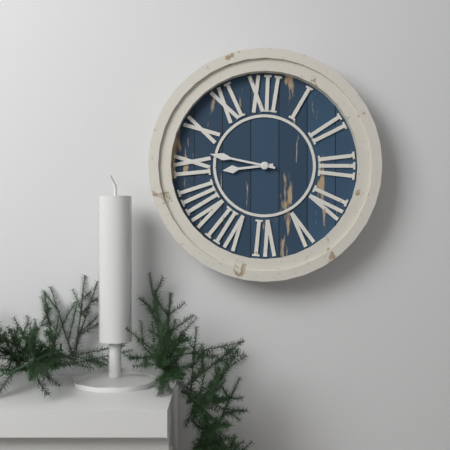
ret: 8:47
